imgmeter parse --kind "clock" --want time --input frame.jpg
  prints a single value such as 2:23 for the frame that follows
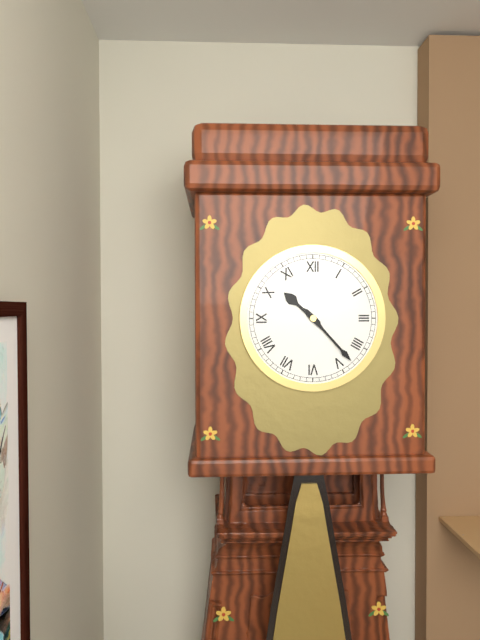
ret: 10:23
